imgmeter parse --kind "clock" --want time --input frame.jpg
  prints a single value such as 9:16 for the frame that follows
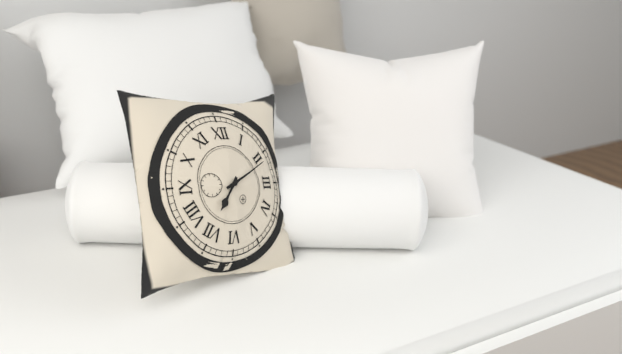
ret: 7:11
